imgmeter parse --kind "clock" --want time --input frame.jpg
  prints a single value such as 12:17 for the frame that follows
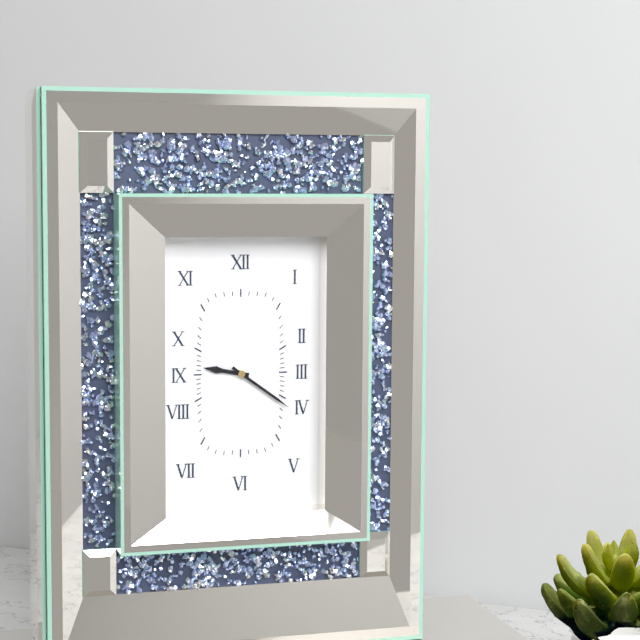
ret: 9:21
